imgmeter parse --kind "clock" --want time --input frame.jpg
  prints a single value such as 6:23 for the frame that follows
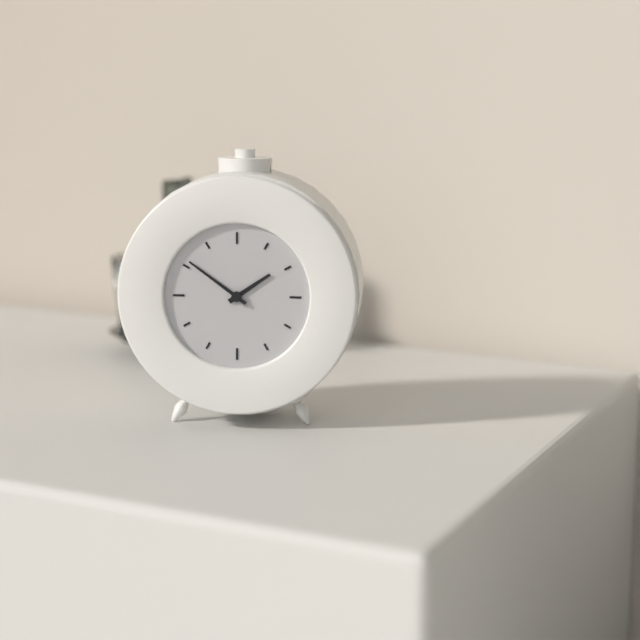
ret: 1:51
